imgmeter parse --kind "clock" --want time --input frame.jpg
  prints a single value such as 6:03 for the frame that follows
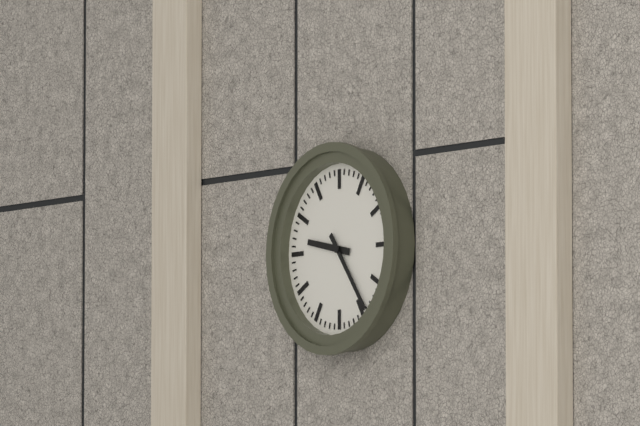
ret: 9:24
